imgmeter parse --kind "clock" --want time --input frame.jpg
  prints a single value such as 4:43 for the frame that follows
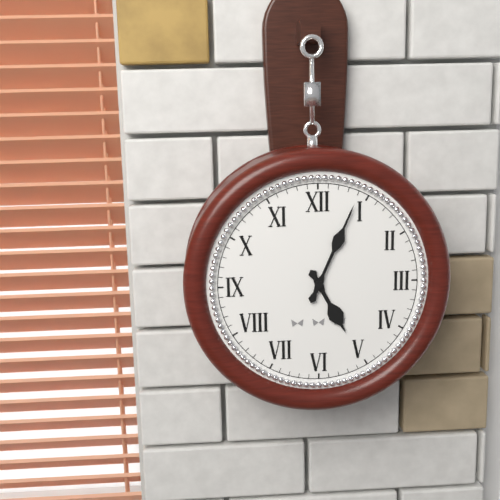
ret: 5:04
